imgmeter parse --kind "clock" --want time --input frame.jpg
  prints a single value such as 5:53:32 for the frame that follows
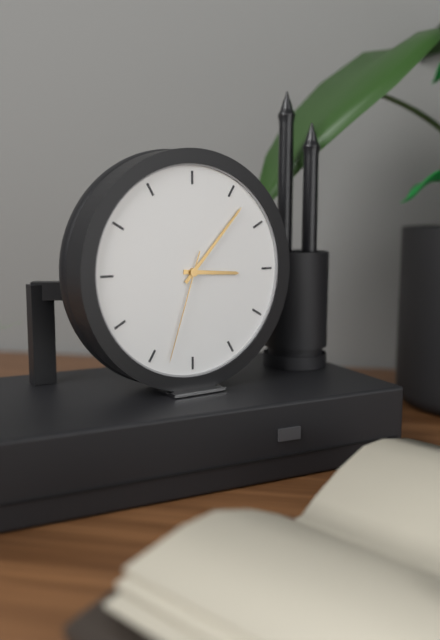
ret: 3:07:33
